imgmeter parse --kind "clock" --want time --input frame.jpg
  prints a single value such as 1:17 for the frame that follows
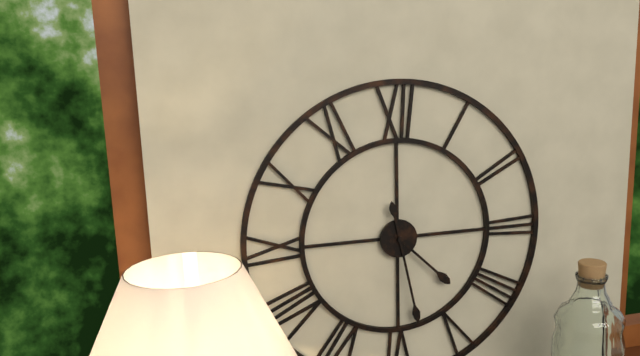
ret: 4:28
